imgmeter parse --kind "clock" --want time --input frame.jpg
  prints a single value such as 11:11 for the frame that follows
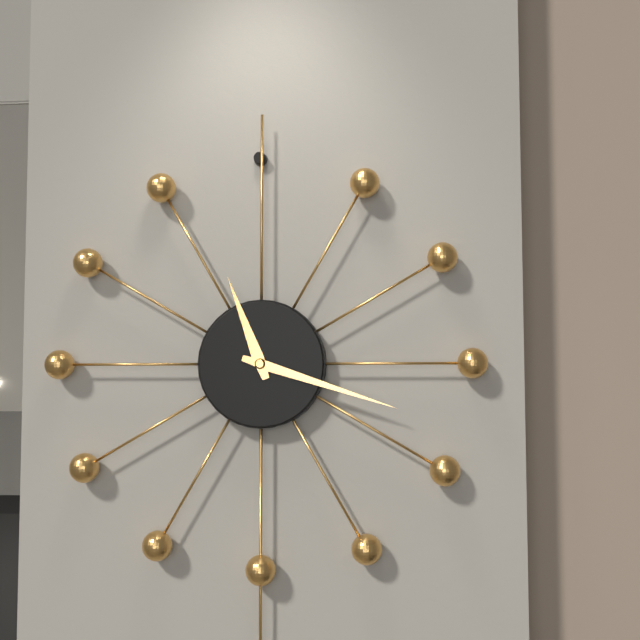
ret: 11:18
